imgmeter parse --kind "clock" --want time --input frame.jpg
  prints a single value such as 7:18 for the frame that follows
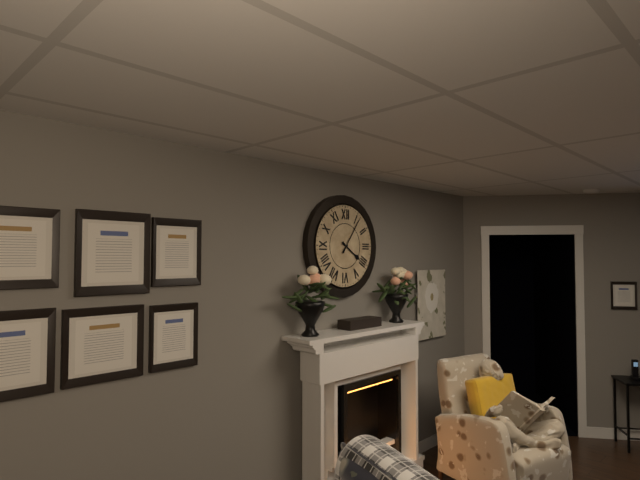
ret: 4:06
